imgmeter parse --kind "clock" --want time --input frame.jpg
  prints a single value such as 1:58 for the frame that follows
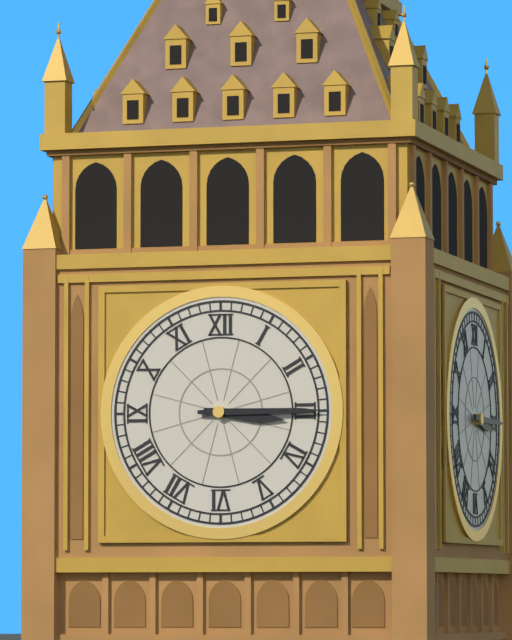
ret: 3:15
